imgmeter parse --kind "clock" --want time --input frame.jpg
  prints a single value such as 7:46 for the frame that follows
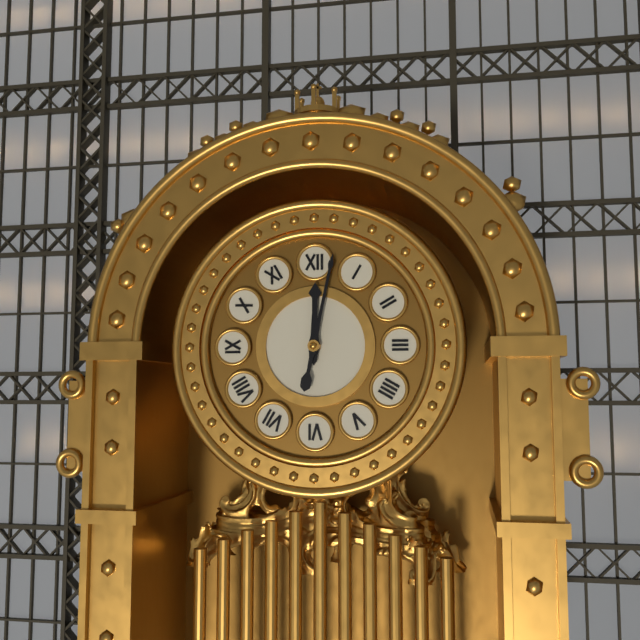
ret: 12:02
